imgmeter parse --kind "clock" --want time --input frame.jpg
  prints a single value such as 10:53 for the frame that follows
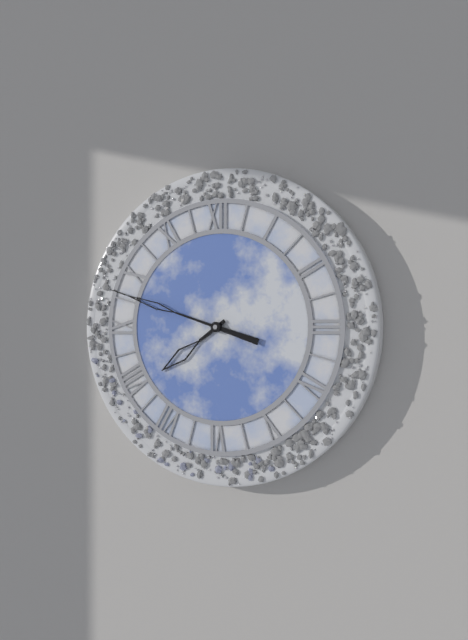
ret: 7:48
